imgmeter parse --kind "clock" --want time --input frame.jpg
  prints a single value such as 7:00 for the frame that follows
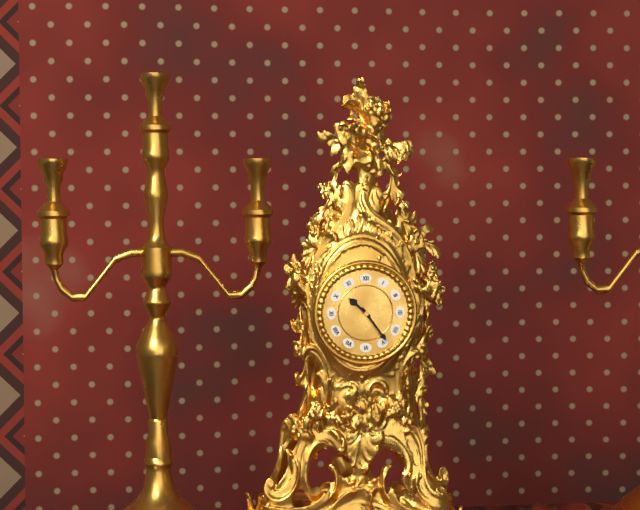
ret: 10:24
